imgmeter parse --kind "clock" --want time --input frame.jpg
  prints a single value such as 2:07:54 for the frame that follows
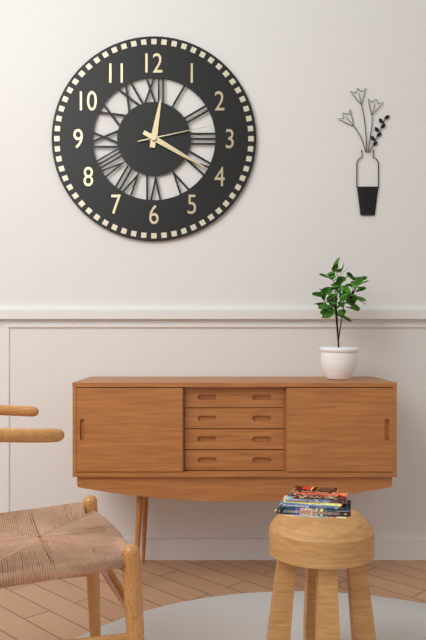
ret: 12:20:13
